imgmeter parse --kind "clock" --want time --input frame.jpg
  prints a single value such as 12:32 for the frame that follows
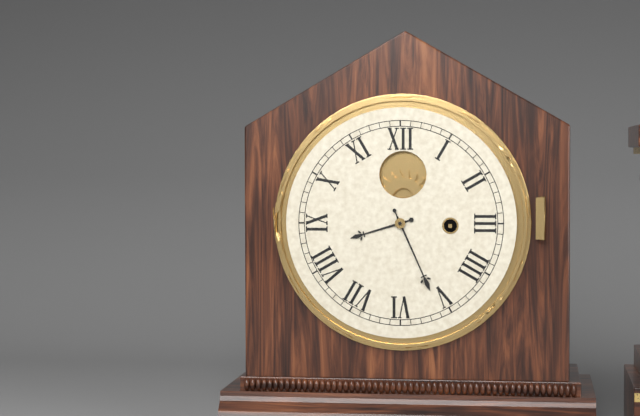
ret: 8:26
